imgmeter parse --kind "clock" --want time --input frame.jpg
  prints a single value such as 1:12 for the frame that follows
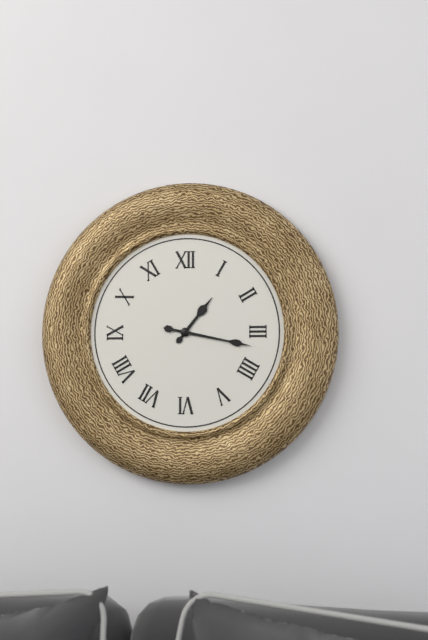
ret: 1:17
